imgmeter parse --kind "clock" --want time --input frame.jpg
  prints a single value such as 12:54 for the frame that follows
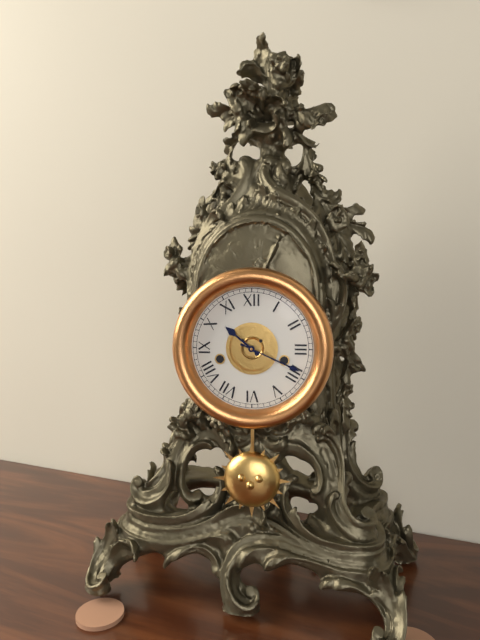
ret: 10:19
